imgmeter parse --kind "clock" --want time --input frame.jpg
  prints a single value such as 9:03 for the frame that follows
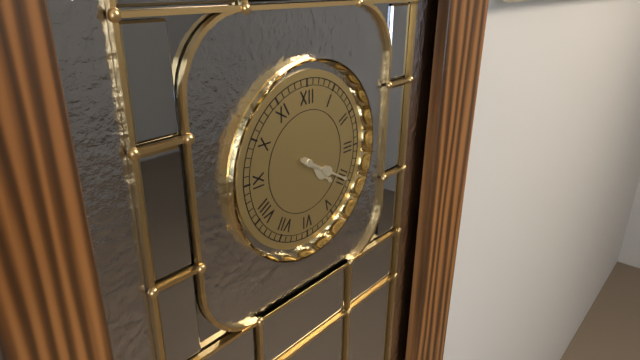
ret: 4:20
